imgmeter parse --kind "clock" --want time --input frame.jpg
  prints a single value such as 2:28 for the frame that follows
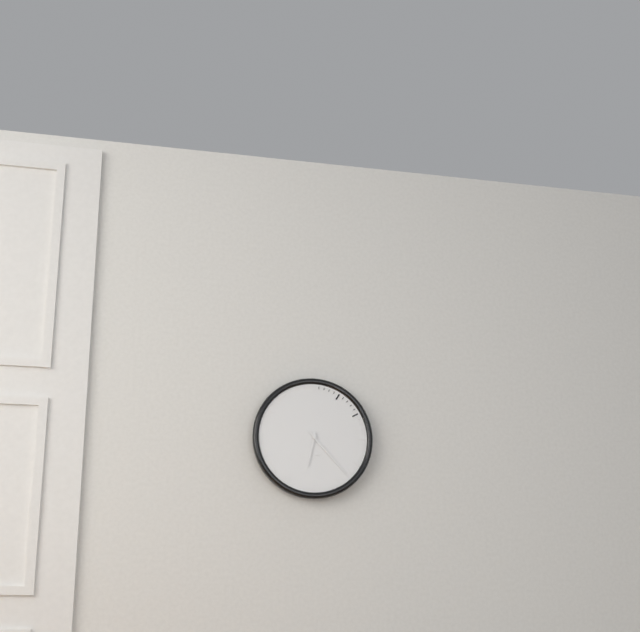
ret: 6:23
